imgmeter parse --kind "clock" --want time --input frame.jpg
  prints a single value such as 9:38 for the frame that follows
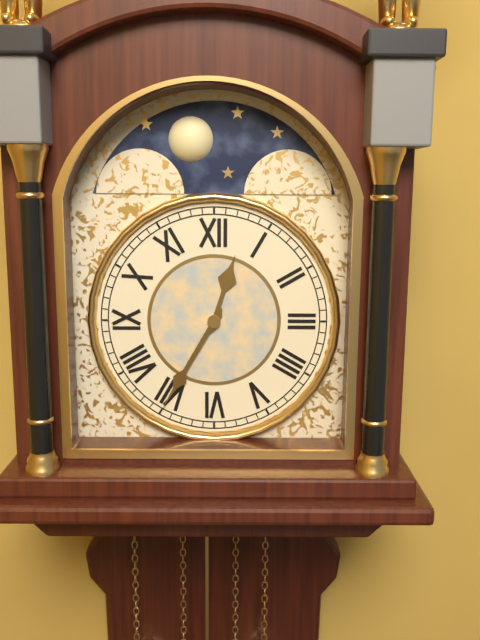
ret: 12:35
